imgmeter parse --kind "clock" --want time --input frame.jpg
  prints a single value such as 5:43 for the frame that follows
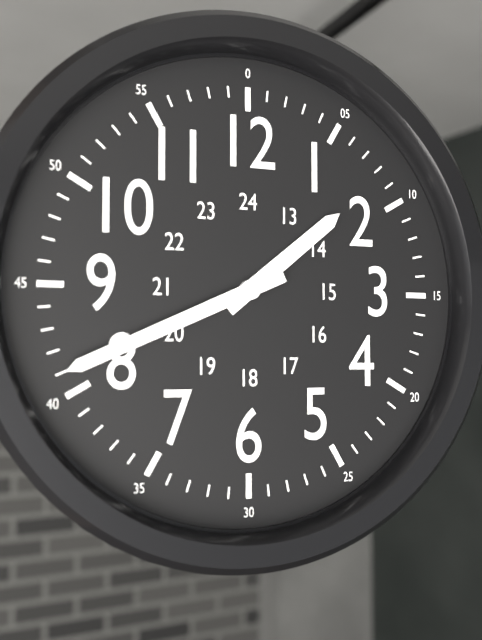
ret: 1:41
